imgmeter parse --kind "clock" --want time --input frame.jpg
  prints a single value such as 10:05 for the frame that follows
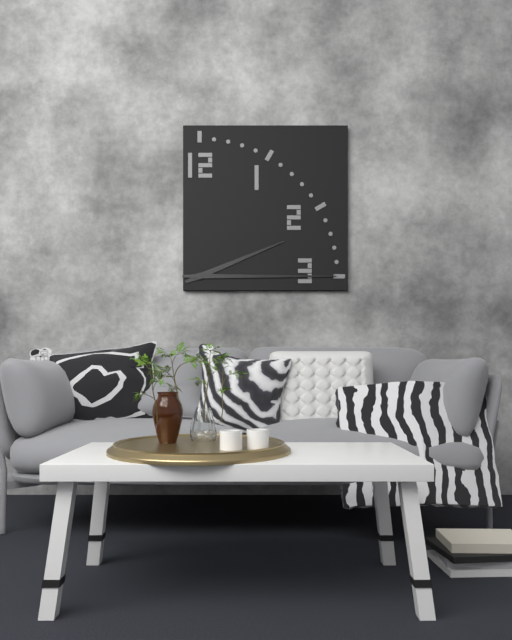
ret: 2:15
